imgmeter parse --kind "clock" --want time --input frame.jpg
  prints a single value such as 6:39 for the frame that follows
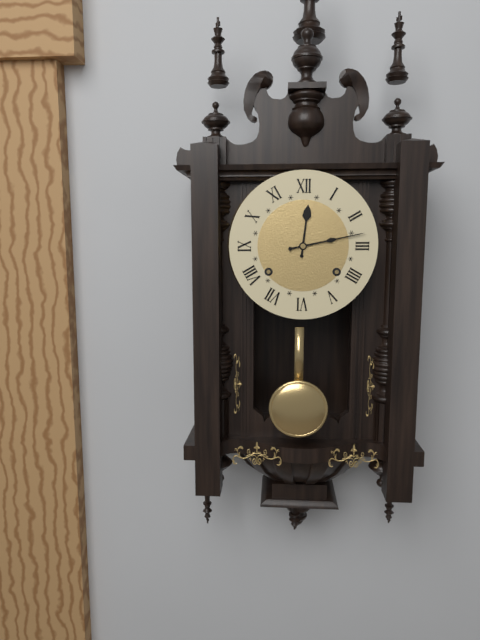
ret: 12:13
